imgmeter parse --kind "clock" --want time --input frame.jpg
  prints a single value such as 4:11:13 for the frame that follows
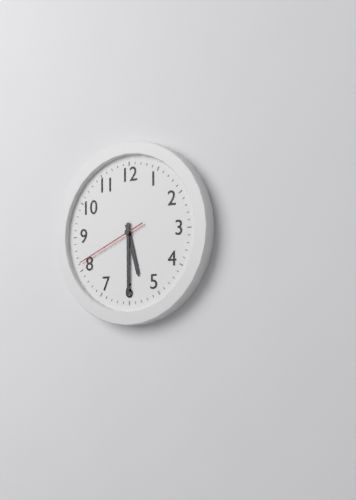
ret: 5:30:41
